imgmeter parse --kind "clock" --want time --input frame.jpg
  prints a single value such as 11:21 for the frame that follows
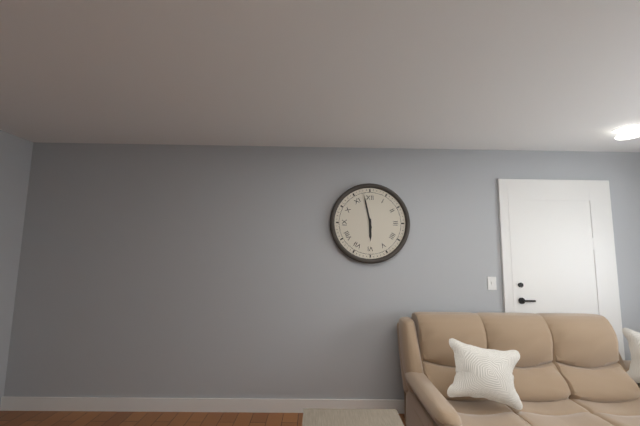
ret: 5:58
